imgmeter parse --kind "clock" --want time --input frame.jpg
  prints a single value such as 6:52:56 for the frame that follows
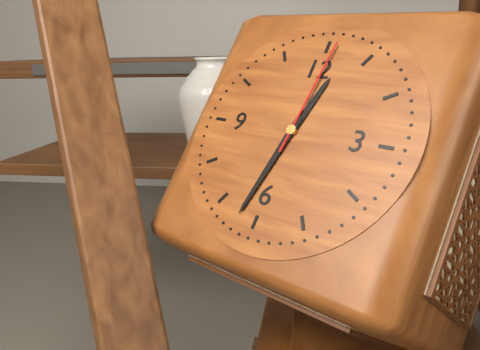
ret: 12:32:01
